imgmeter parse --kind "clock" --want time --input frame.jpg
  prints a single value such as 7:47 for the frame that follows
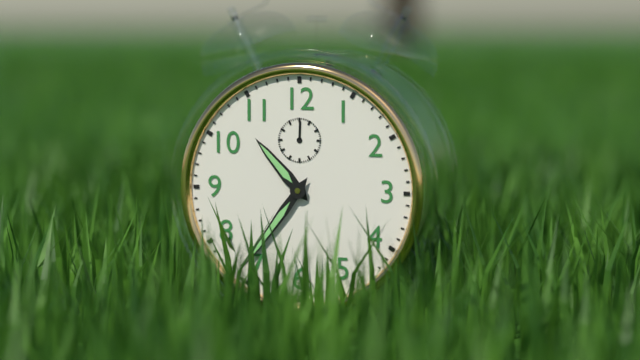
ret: 10:36
